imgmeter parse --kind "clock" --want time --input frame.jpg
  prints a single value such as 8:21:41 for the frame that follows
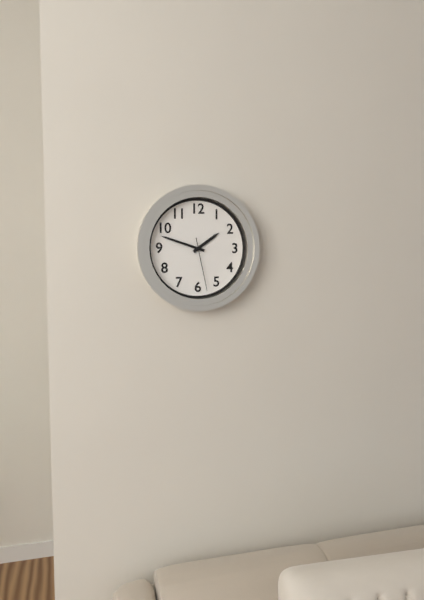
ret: 1:48:28
